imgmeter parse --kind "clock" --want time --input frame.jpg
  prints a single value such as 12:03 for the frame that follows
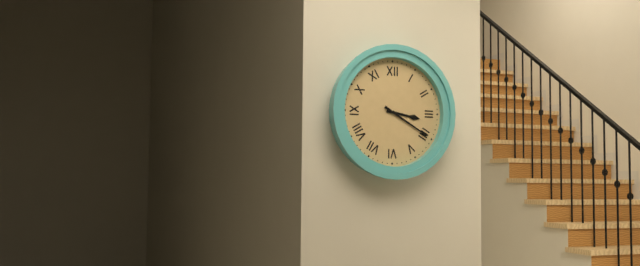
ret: 3:20
